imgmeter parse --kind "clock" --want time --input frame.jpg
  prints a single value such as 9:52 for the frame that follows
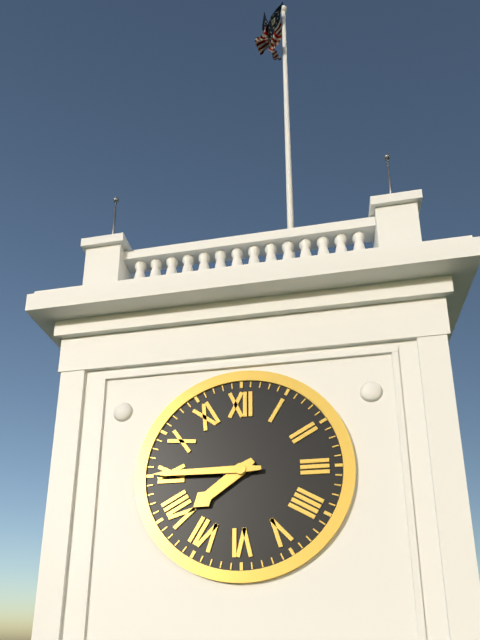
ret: 7:45
